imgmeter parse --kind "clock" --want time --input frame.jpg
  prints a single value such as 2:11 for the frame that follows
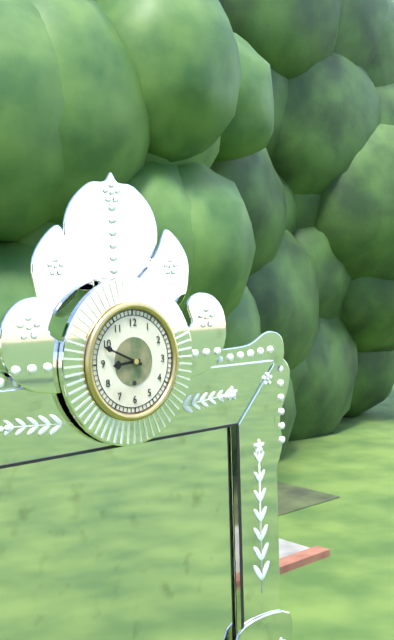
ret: 8:49
